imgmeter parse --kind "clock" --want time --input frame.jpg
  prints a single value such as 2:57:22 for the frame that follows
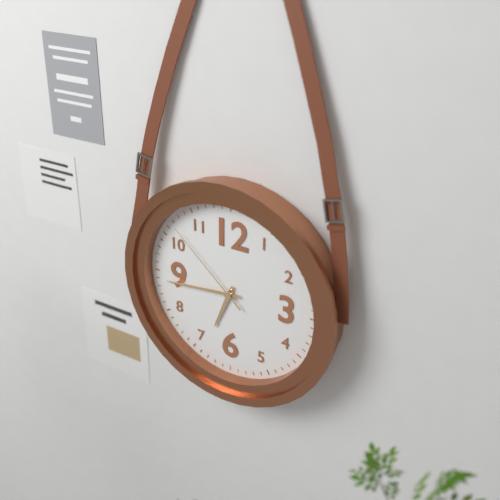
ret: 6:44:52
